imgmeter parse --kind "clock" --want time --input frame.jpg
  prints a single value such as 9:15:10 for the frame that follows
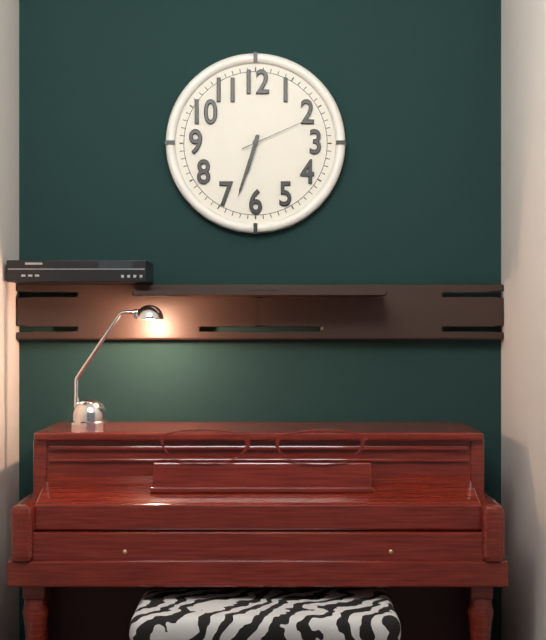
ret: 6:33:11
